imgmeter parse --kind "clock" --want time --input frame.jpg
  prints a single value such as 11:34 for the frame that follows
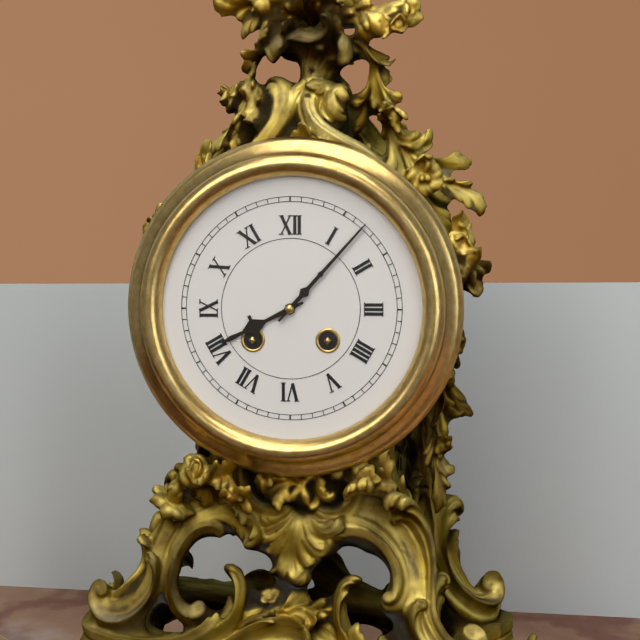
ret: 8:07
